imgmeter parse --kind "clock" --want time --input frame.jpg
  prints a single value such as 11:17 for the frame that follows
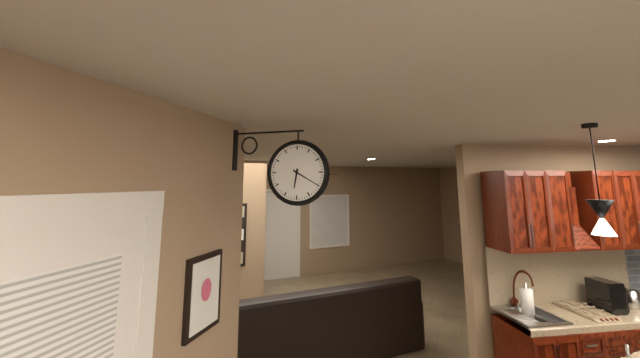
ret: 6:20
